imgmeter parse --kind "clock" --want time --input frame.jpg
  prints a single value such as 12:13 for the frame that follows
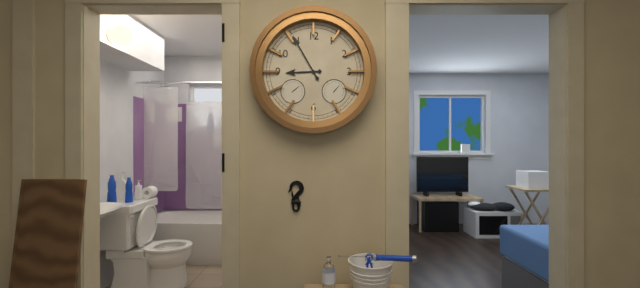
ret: 8:55
